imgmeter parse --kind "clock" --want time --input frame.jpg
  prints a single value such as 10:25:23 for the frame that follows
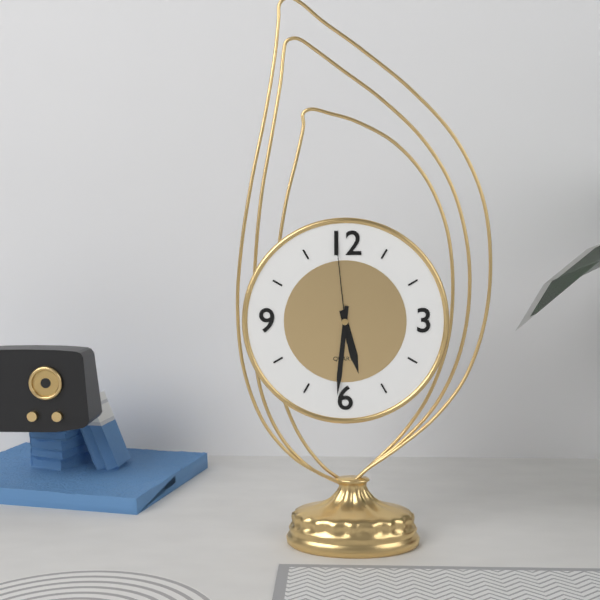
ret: 5:31:59
